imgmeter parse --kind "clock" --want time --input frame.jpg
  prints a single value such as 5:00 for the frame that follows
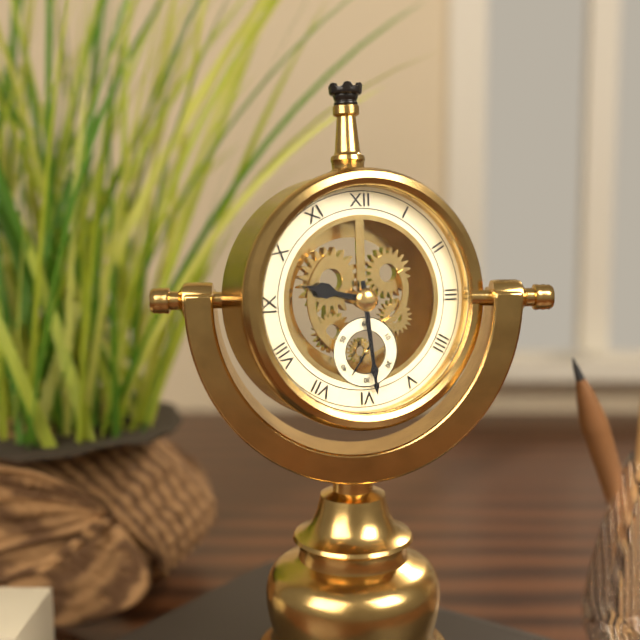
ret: 9:29
